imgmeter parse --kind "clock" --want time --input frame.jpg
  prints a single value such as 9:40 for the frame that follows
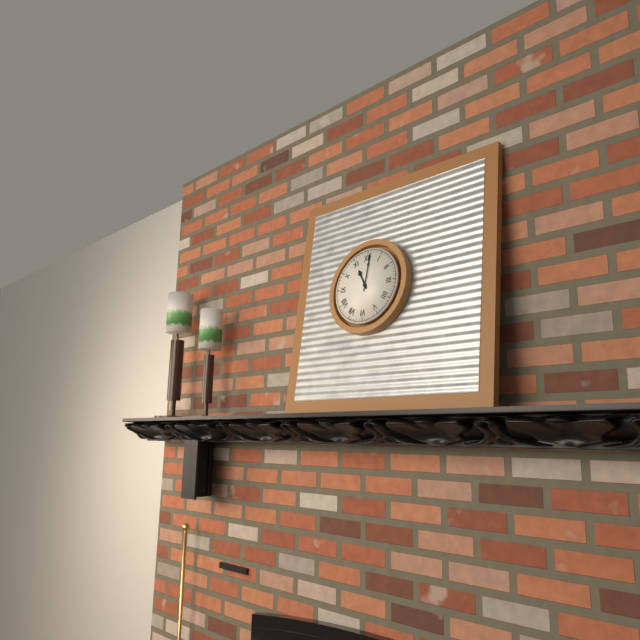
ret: 11:01
